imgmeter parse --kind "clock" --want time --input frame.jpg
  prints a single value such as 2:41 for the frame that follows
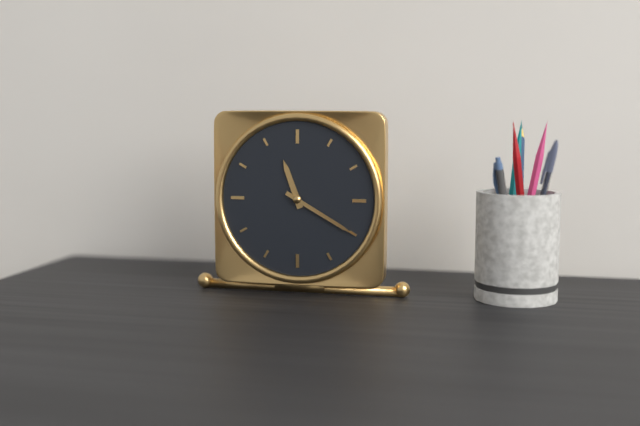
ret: 11:20
